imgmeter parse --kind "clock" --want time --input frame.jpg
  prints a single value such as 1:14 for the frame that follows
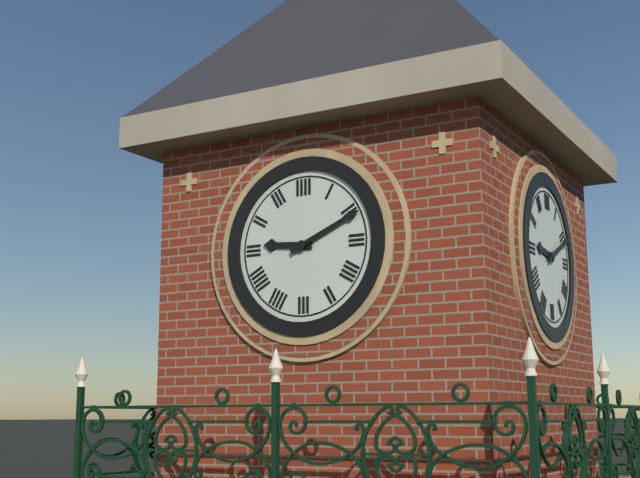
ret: 9:11
